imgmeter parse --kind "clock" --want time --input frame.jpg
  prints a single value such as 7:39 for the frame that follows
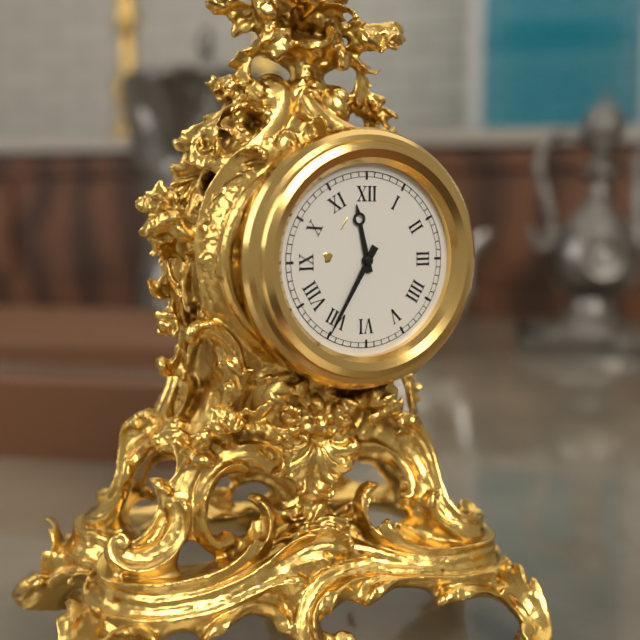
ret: 11:35
